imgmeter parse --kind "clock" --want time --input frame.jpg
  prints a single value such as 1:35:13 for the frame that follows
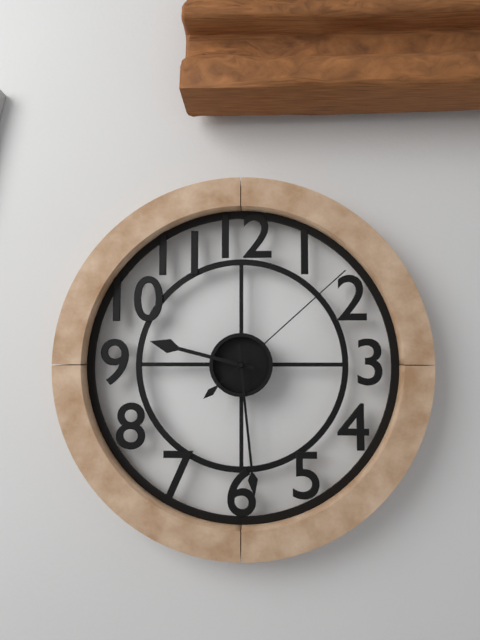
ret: 9:29:08
